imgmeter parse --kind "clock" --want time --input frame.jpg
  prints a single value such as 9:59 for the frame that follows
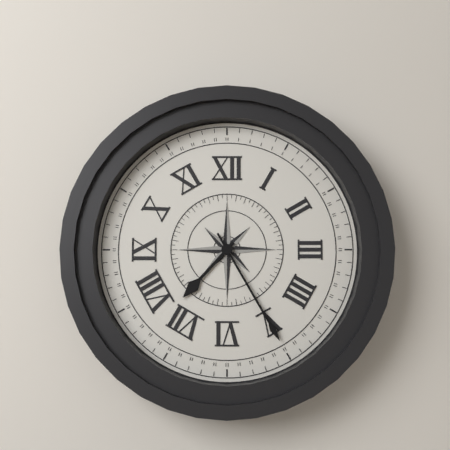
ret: 7:25
